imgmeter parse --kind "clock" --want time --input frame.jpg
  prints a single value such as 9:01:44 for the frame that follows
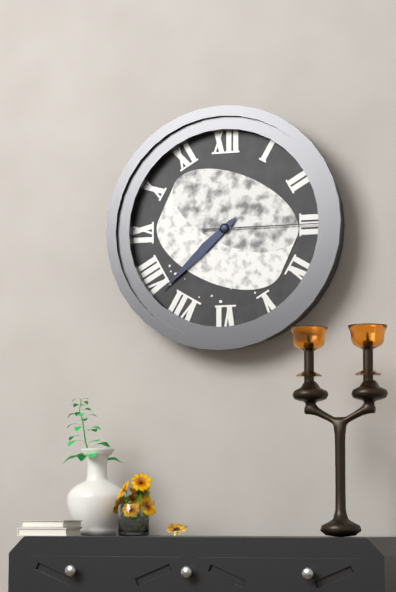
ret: 7:38:15
